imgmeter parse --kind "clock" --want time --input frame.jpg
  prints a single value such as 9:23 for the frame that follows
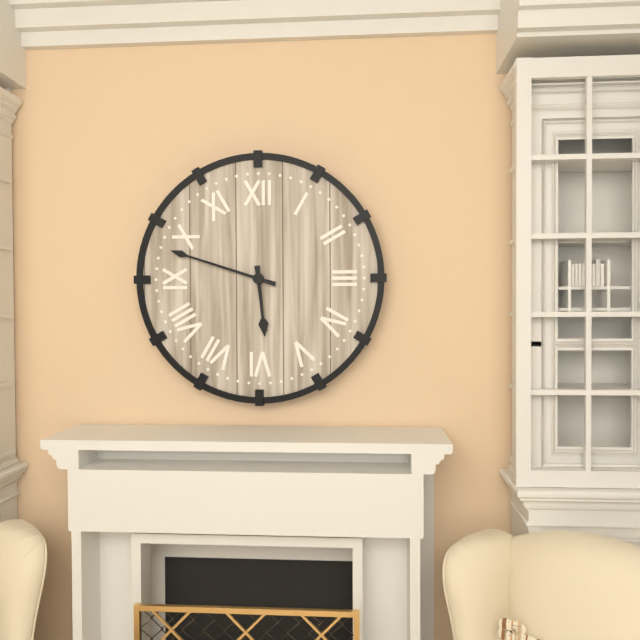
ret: 5:48
